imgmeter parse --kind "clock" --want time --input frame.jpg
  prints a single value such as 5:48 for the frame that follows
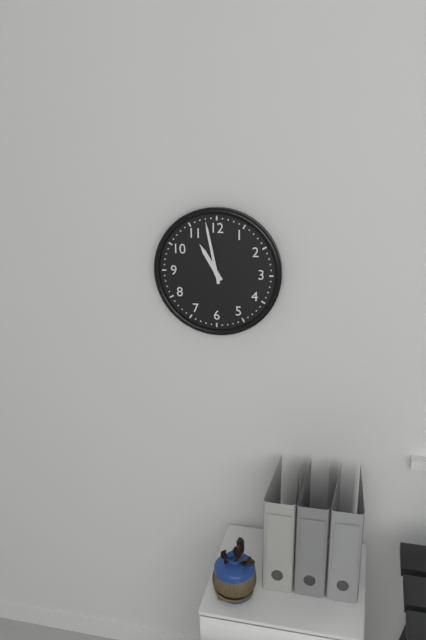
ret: 10:58
